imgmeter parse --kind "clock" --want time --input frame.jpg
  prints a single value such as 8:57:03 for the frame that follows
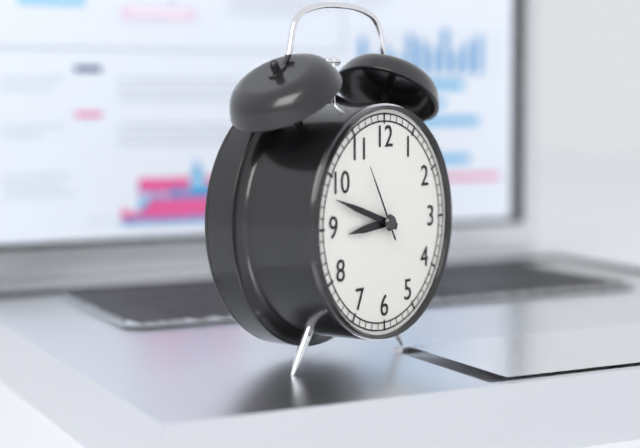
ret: 8:48:55
